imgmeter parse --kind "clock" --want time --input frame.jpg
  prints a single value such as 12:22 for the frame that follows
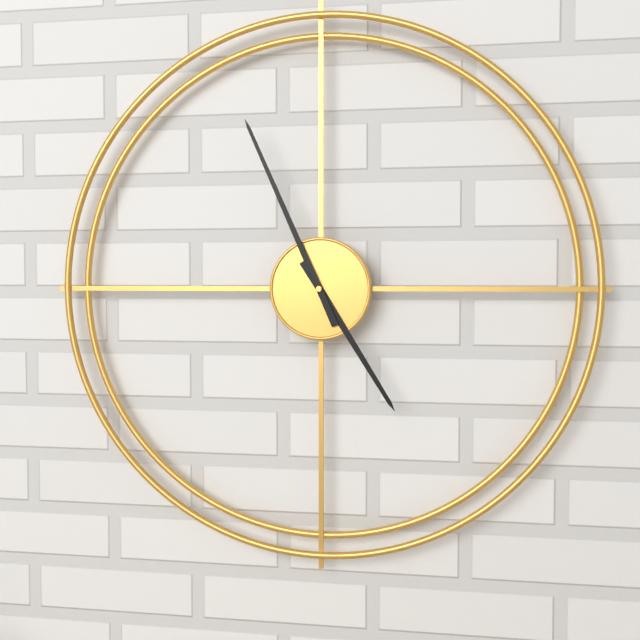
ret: 4:56
